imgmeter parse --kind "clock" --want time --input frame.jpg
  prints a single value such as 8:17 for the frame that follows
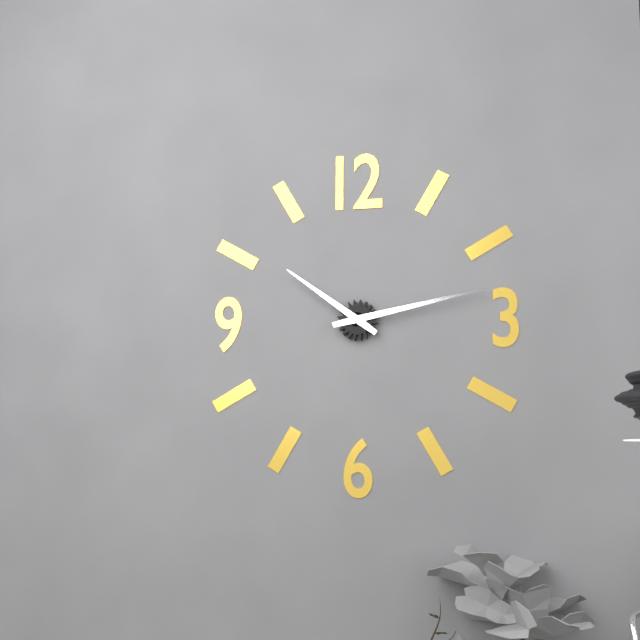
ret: 10:13
